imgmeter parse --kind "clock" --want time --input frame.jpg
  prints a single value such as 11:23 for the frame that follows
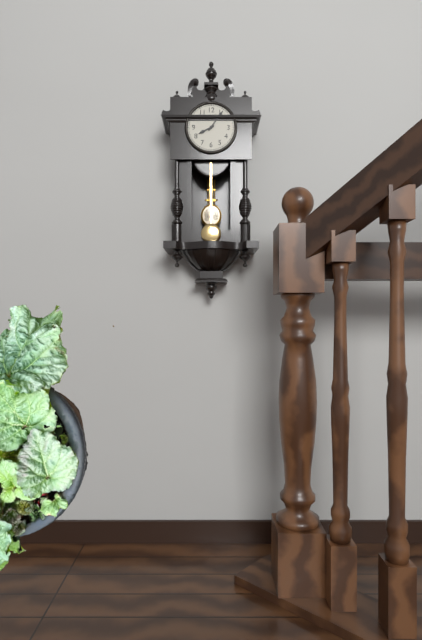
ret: 8:06
